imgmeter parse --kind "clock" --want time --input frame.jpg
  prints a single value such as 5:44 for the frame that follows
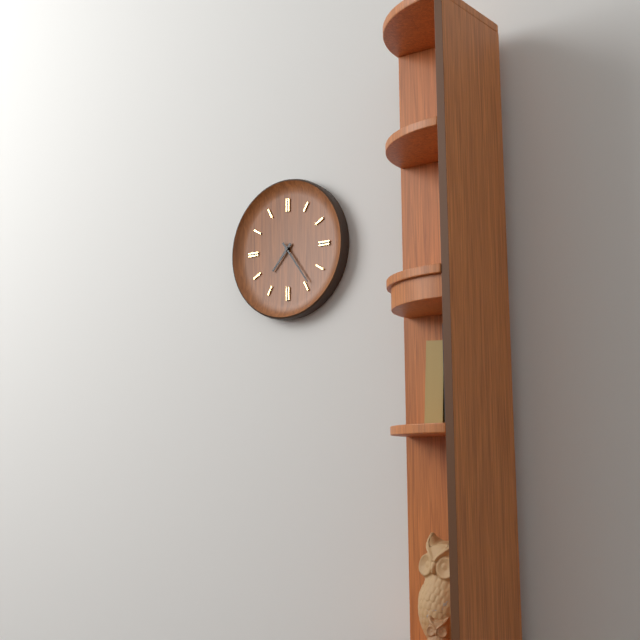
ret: 7:24
